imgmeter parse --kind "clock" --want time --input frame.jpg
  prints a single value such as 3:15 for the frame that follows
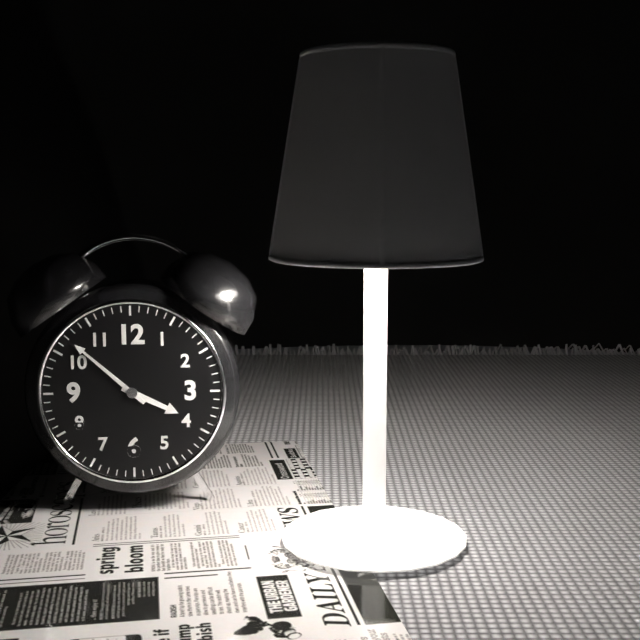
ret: 3:52
